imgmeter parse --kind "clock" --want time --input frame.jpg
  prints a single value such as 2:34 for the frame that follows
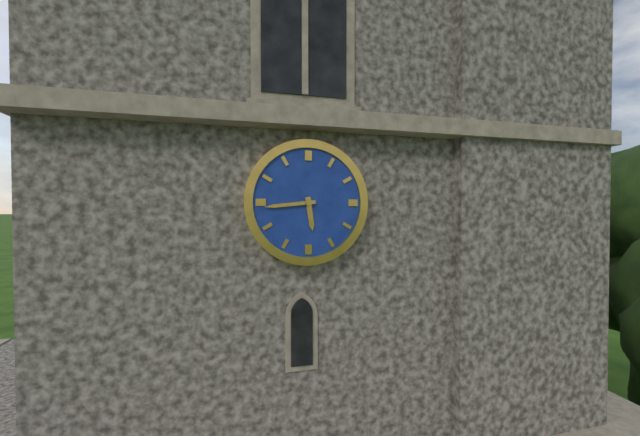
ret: 5:44
